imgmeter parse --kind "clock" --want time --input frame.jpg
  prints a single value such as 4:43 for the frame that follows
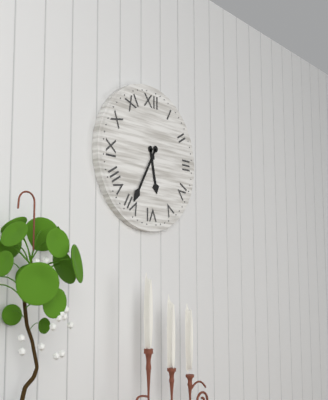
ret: 5:35
